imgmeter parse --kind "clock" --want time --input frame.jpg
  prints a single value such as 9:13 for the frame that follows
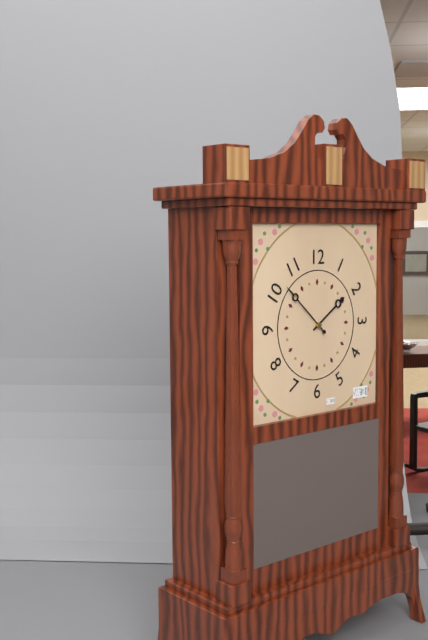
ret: 1:52
